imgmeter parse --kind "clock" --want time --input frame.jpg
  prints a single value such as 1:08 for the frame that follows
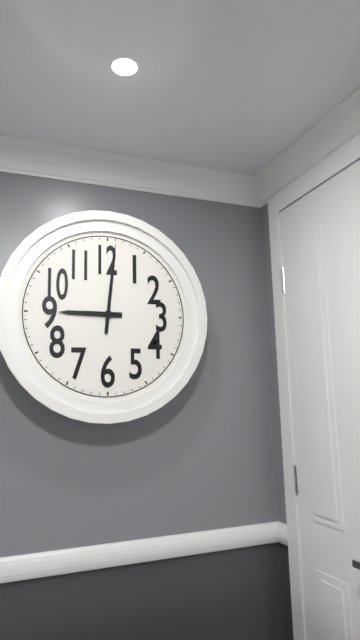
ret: 9:01
